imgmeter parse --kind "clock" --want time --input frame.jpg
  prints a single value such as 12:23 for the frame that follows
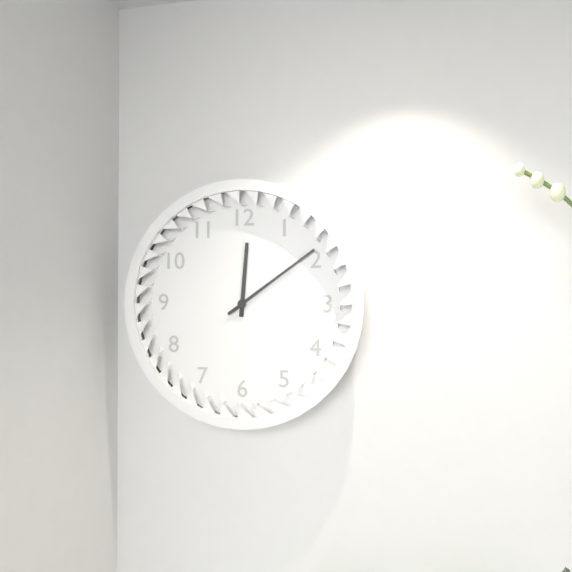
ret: 12:09
